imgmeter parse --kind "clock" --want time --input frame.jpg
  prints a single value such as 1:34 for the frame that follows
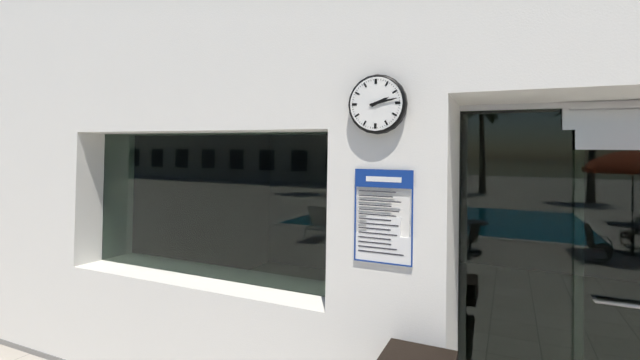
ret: 2:13
